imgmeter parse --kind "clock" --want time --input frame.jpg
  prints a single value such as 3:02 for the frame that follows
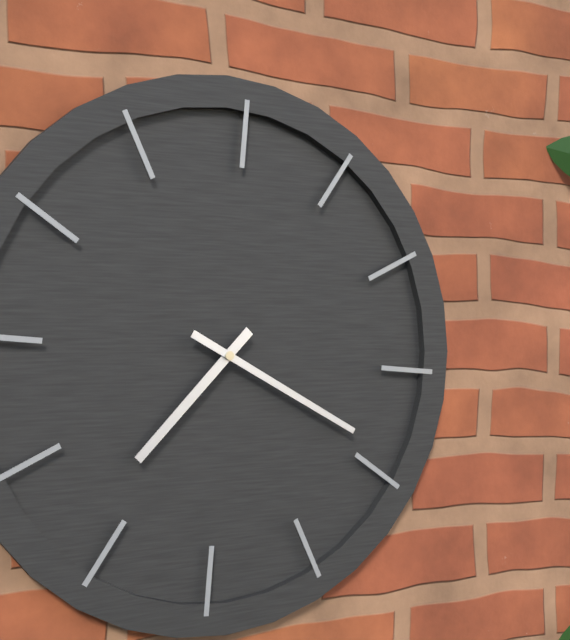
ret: 7:19
